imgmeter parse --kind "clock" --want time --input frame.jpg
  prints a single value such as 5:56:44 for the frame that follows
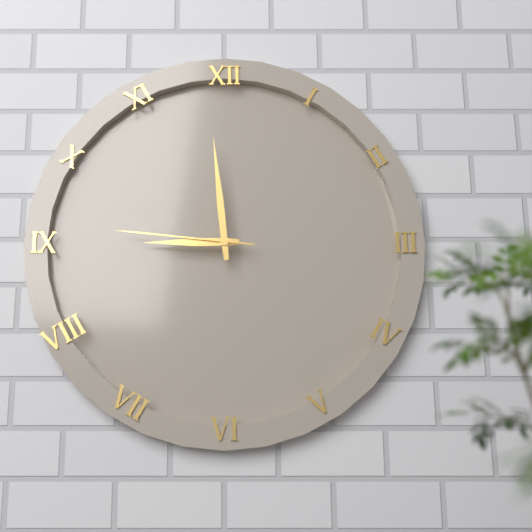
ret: 8:59:46
